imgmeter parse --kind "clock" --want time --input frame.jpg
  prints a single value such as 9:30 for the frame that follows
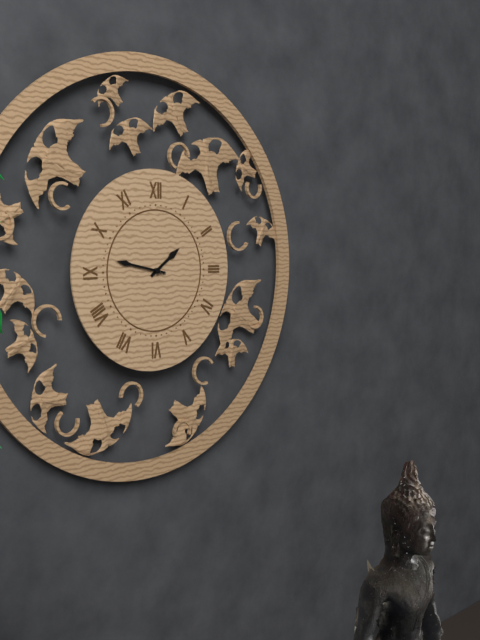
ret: 1:47
